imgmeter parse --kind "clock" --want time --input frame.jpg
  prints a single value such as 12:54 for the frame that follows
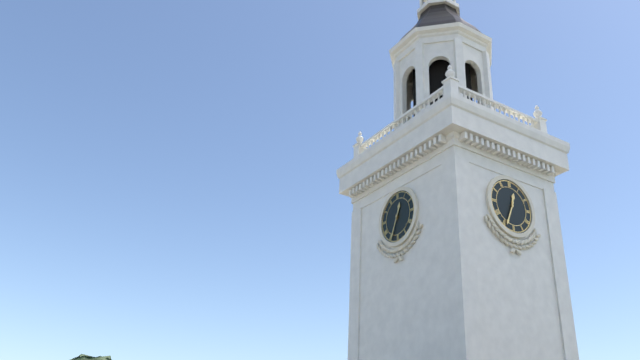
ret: 12:34
